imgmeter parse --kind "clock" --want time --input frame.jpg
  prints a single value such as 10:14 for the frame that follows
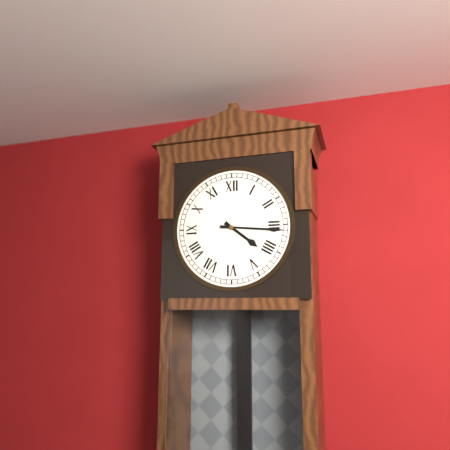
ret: 4:16
